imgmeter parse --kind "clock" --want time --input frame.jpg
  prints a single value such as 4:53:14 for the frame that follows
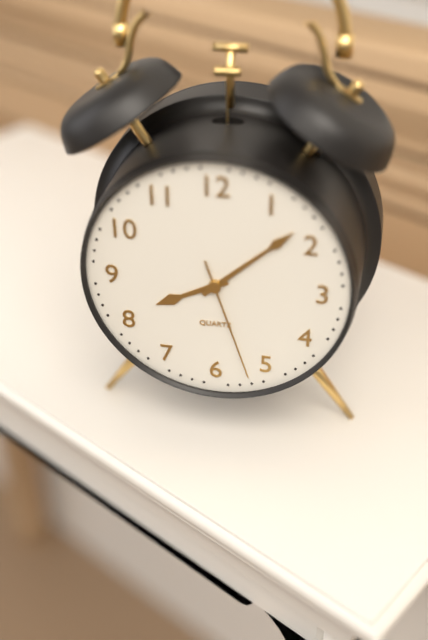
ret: 8:08:27
